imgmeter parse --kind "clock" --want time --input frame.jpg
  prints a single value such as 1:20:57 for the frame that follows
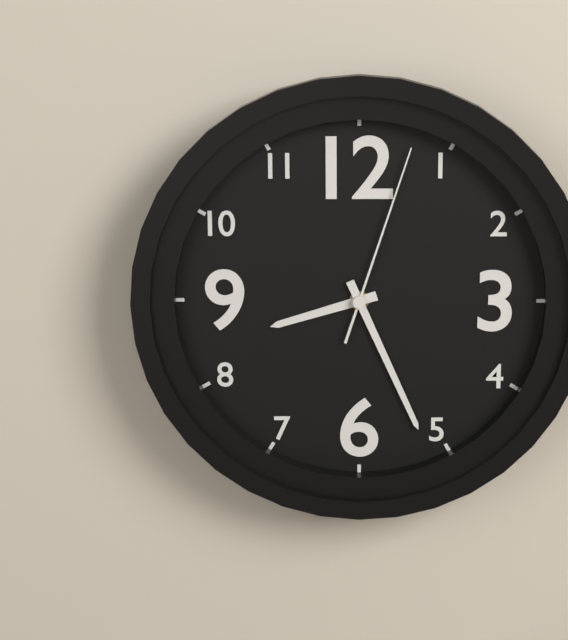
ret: 8:26:03
